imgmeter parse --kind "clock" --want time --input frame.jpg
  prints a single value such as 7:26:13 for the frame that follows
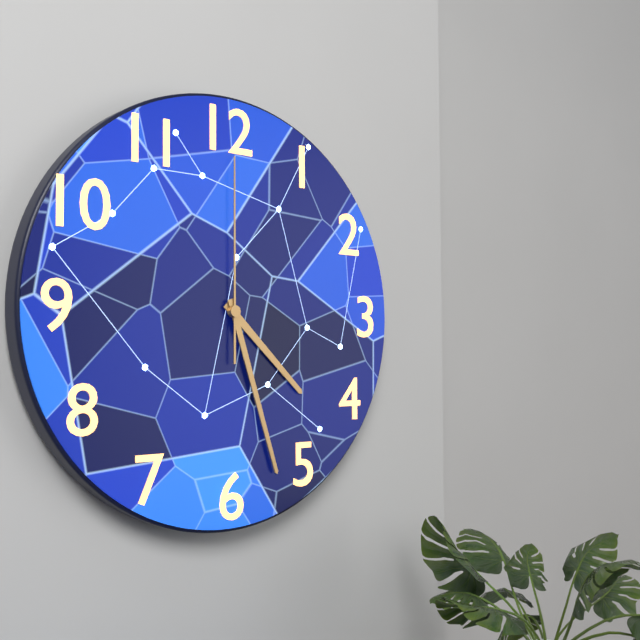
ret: 4:27:00
